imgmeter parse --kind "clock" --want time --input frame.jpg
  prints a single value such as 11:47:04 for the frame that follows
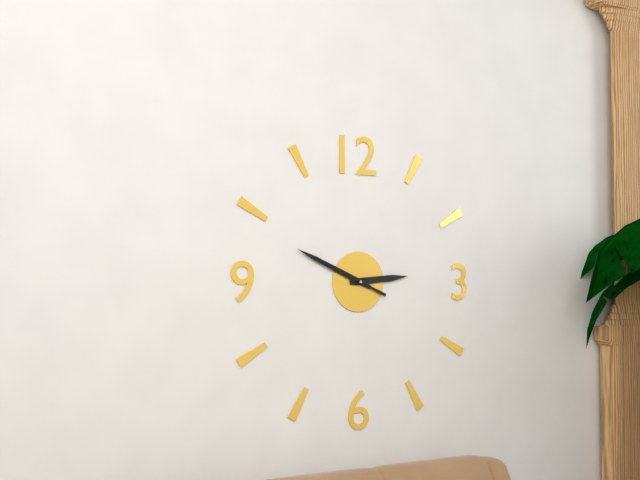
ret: 2:49:49
